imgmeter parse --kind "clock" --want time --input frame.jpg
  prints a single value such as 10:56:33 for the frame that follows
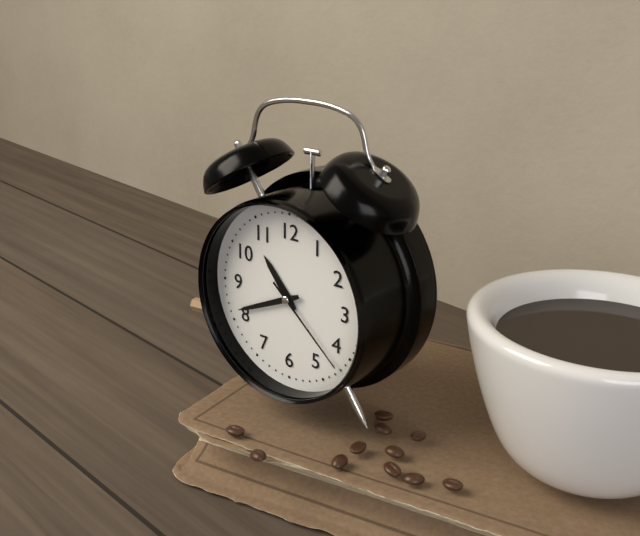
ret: 10:41:22
